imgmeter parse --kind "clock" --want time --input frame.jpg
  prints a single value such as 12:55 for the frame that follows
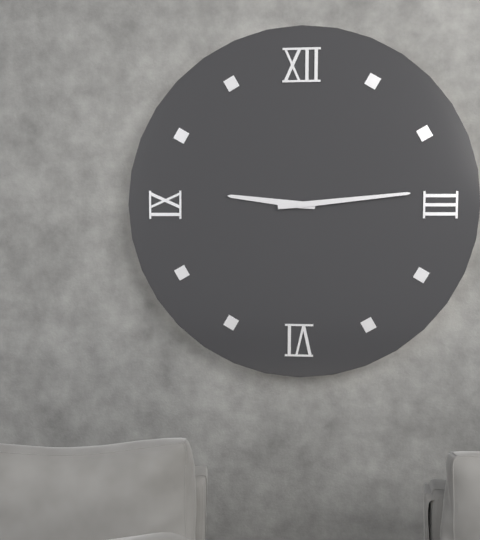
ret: 9:14
